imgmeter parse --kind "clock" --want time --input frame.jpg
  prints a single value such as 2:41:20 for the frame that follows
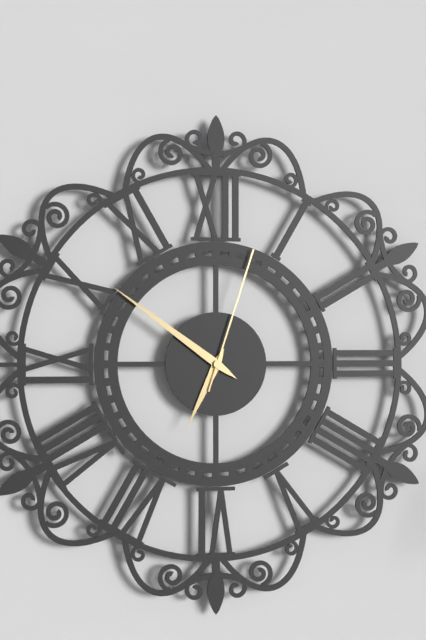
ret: 6:51:03
